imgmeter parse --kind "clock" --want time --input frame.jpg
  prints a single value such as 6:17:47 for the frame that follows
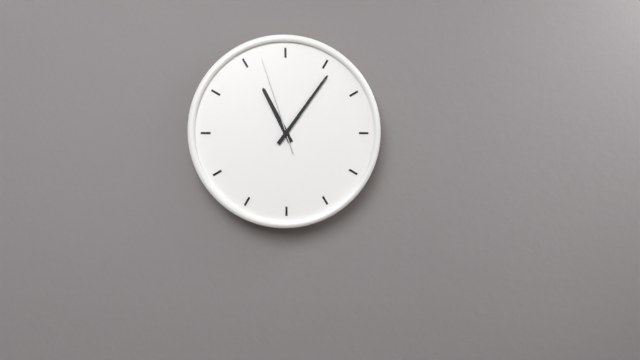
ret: 11:06:57
